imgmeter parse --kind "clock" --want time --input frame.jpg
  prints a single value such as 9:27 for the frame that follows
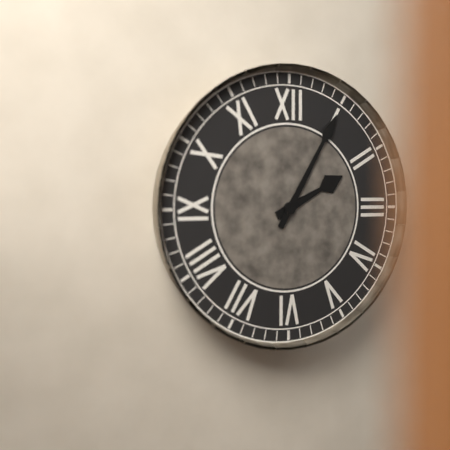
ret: 2:05
